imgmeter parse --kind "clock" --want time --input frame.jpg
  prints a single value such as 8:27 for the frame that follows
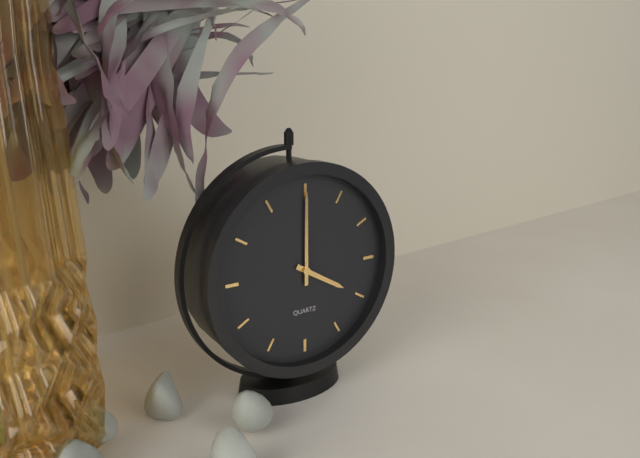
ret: 4:00
